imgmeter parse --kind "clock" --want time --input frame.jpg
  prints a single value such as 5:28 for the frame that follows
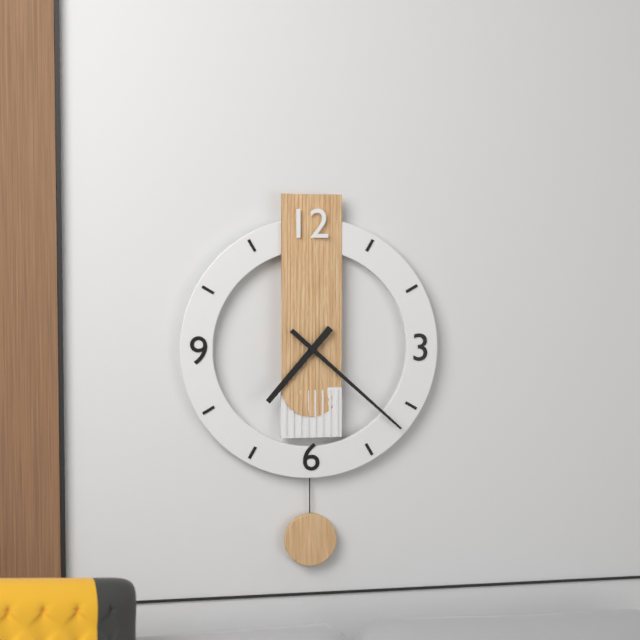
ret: 7:22
